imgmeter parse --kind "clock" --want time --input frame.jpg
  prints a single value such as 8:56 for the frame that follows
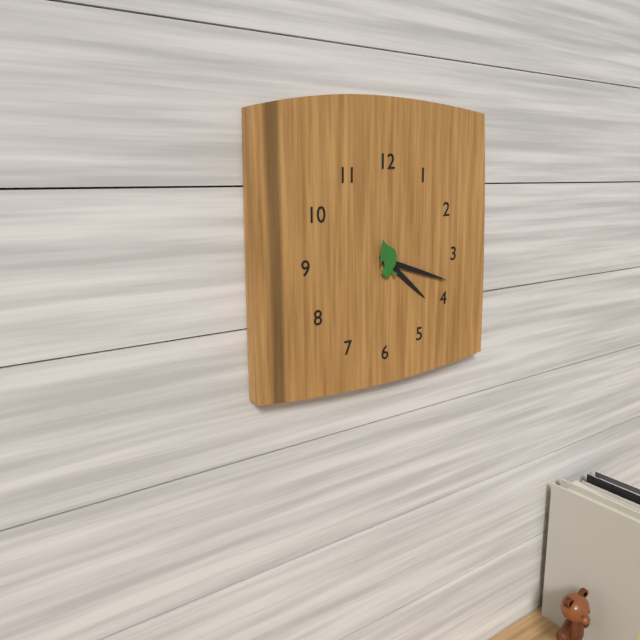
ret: 4:18
